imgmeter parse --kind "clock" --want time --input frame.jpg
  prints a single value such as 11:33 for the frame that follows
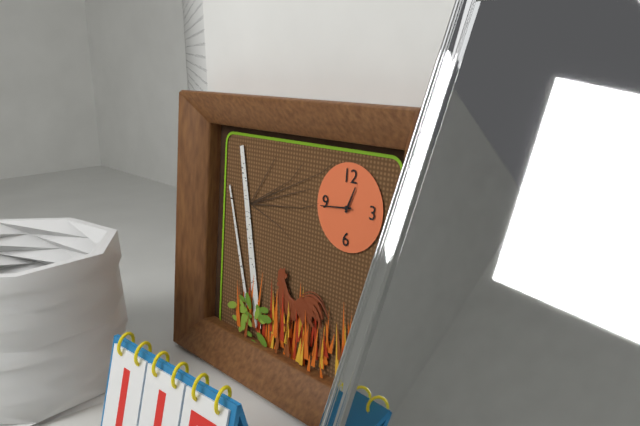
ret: 12:44
